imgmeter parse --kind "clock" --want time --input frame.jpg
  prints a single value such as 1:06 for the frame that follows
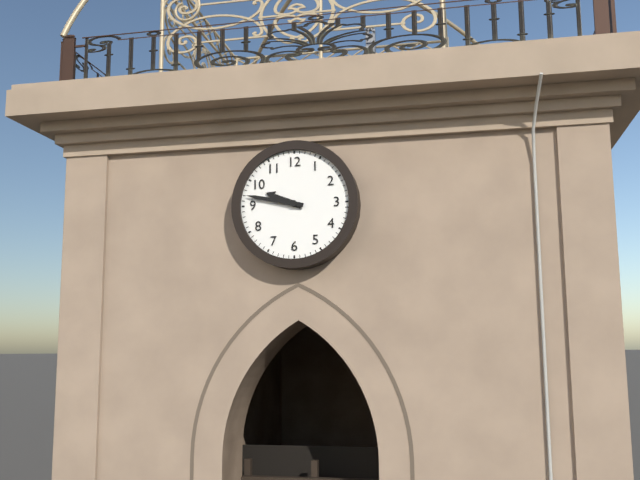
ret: 9:47
